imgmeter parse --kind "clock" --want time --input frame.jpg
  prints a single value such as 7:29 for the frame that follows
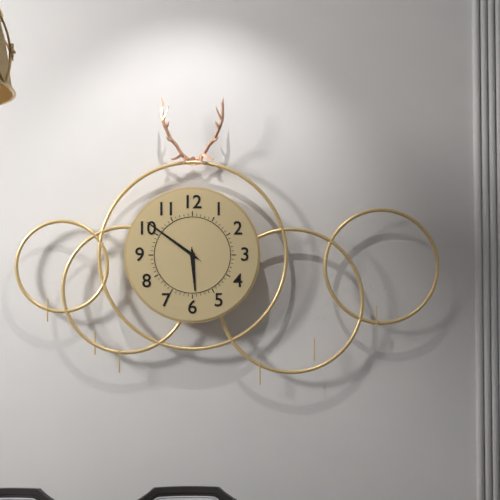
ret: 5:51
